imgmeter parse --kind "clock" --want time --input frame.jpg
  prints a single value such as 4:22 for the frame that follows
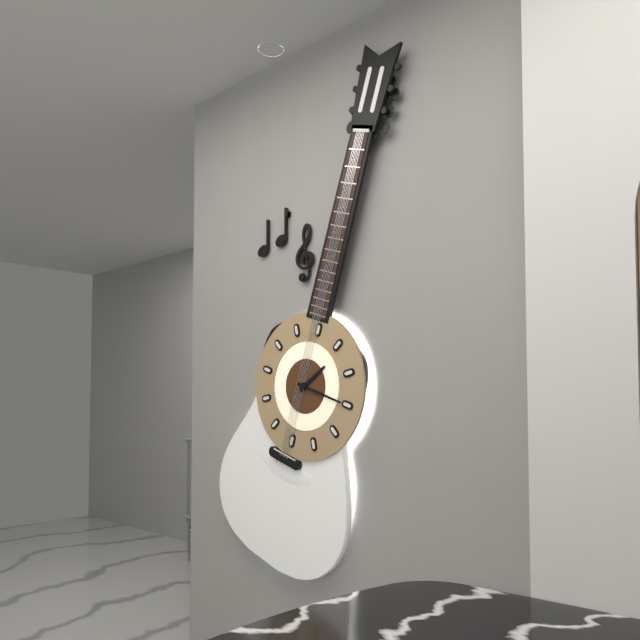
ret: 1:15
